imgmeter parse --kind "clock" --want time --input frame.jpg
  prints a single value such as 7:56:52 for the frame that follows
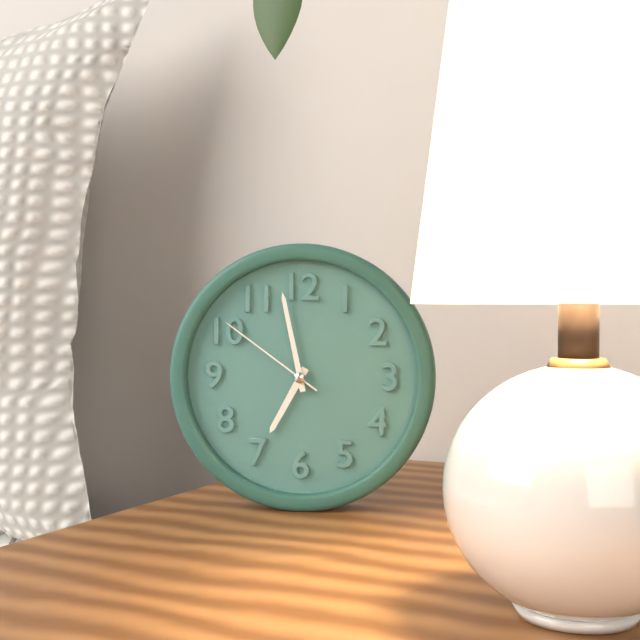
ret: 6:58:51
